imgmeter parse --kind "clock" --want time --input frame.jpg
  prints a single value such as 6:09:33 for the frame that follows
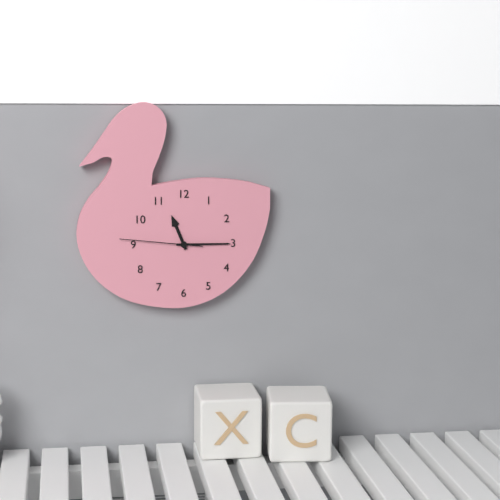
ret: 11:15:46
